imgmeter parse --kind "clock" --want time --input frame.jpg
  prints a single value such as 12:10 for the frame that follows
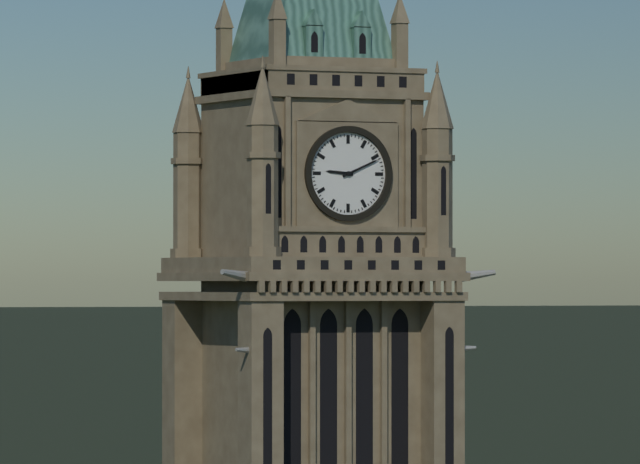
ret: 9:11
